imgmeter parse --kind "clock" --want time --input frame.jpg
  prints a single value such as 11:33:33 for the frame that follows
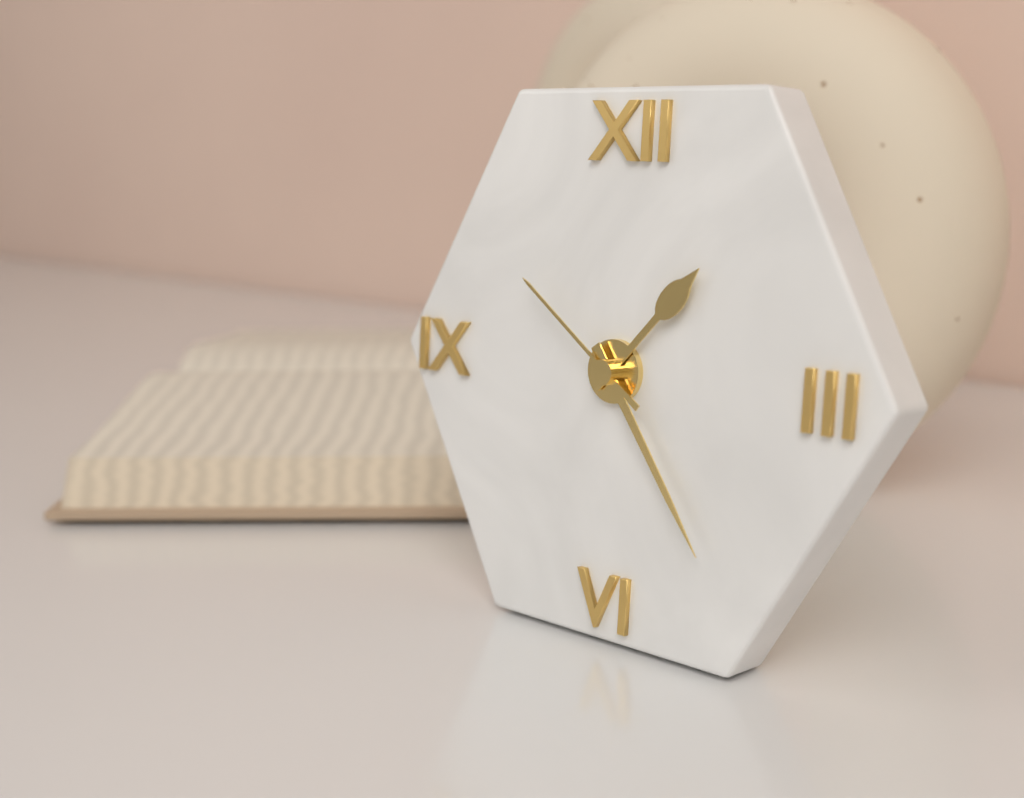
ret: 1:24:51
